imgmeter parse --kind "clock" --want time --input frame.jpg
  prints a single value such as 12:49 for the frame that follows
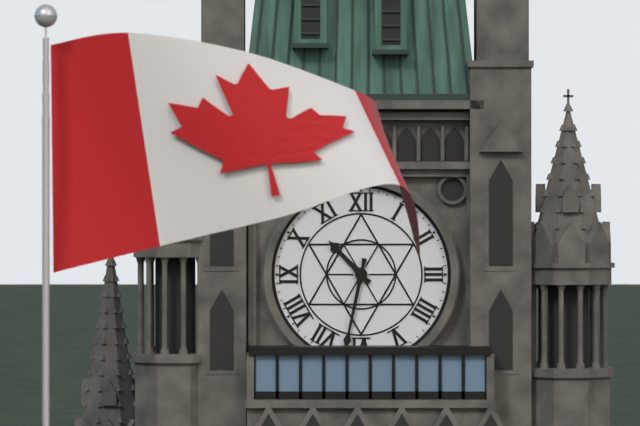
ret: 10:32
